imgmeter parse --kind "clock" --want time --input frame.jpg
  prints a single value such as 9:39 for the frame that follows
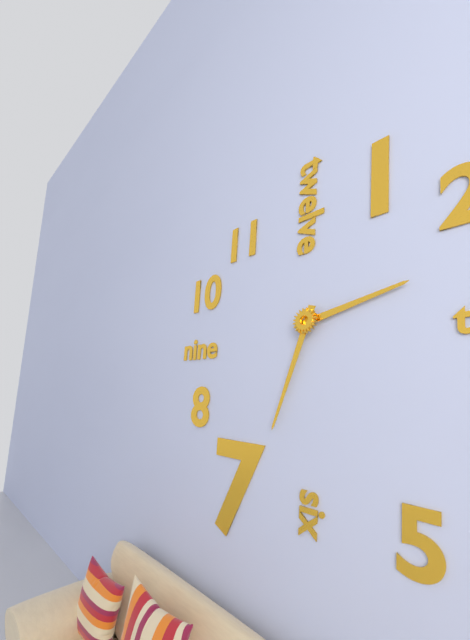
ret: 2:33
